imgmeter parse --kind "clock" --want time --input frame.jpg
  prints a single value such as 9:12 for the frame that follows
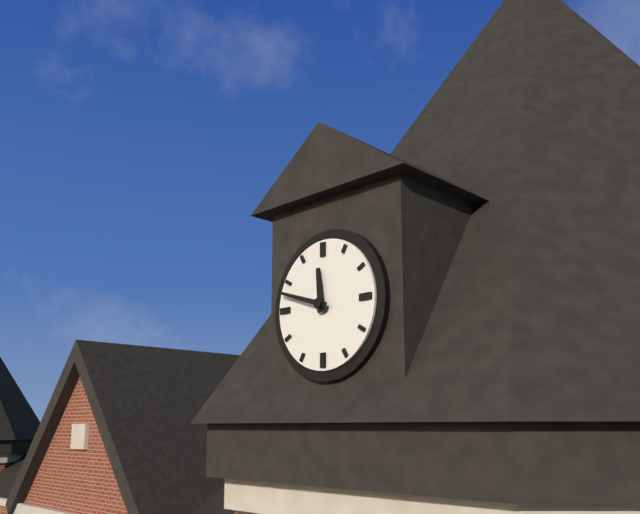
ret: 11:48
